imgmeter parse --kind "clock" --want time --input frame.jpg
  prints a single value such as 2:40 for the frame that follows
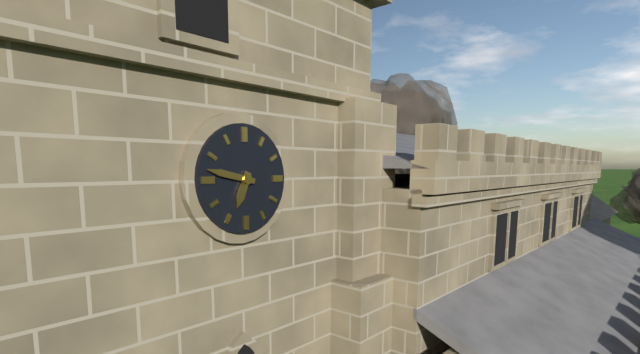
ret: 6:47
